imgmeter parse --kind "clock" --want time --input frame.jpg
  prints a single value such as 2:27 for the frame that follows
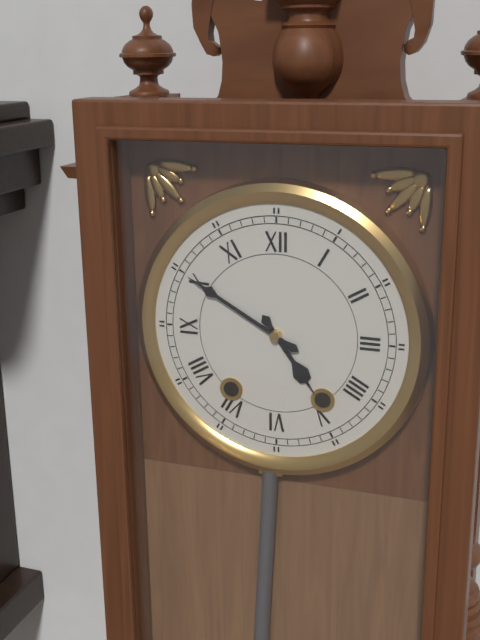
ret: 4:50
